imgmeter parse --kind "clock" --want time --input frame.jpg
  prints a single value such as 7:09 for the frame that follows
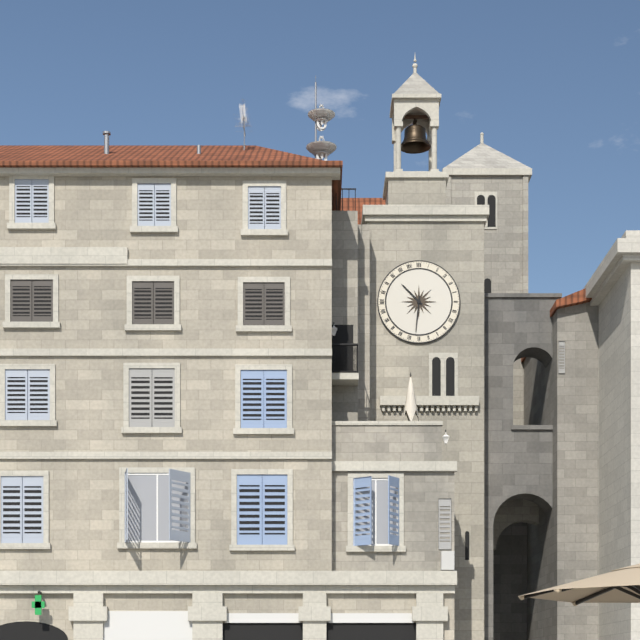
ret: 10:31
